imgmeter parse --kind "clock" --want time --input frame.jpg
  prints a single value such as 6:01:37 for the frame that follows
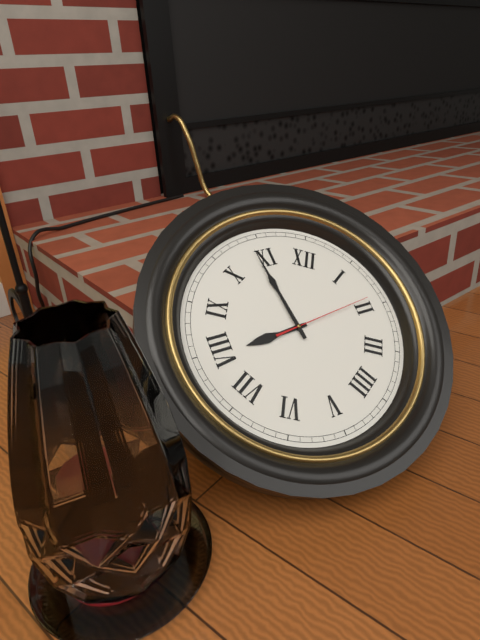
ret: 7:54:09
